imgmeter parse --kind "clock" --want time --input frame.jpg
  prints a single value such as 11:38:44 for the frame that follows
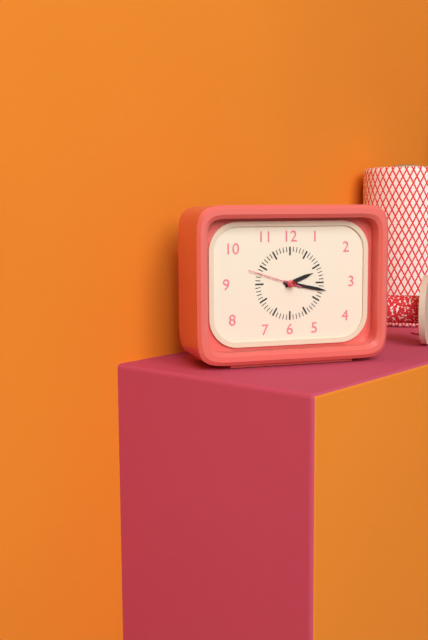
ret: 2:17:48
